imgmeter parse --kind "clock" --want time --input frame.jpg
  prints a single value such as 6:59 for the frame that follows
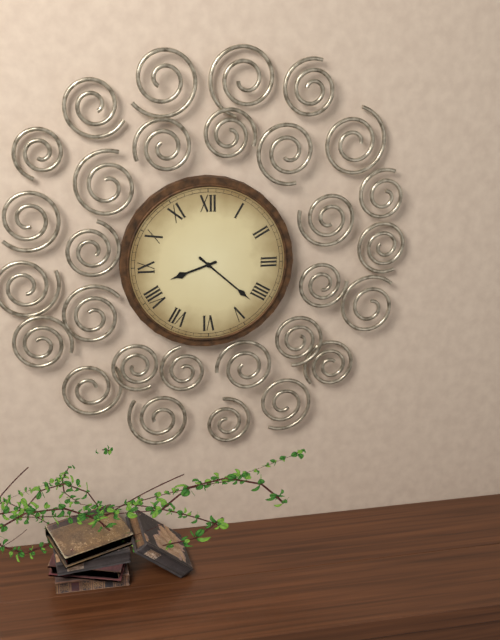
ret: 8:22
